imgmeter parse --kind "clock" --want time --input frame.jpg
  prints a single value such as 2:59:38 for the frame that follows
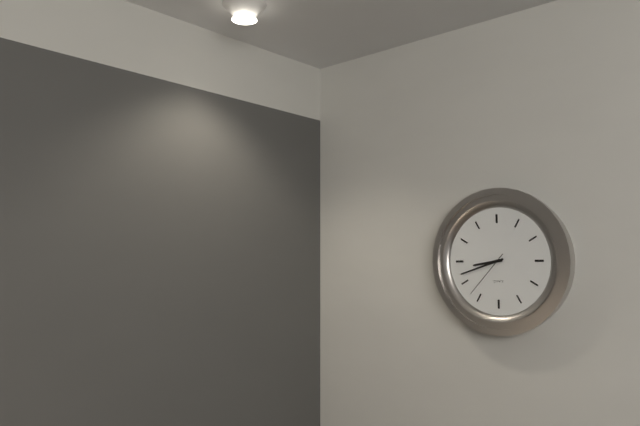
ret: 8:42:37
